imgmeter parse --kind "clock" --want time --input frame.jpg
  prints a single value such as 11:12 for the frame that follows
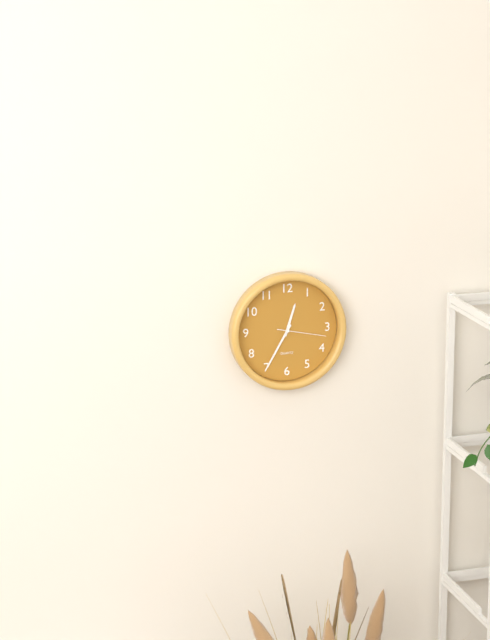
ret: 12:35
